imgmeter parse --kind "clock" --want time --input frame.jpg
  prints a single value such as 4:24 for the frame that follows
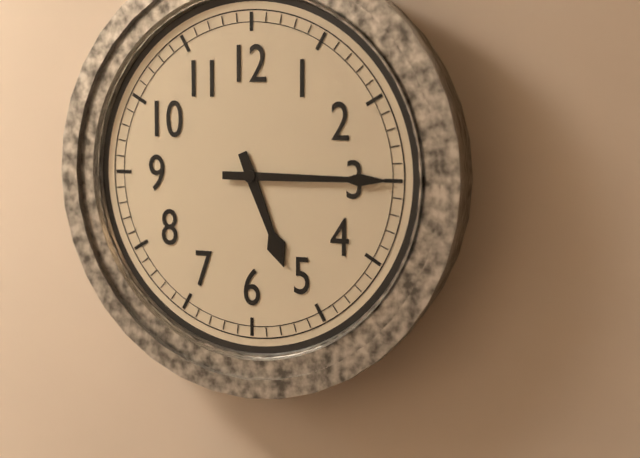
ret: 5:15
